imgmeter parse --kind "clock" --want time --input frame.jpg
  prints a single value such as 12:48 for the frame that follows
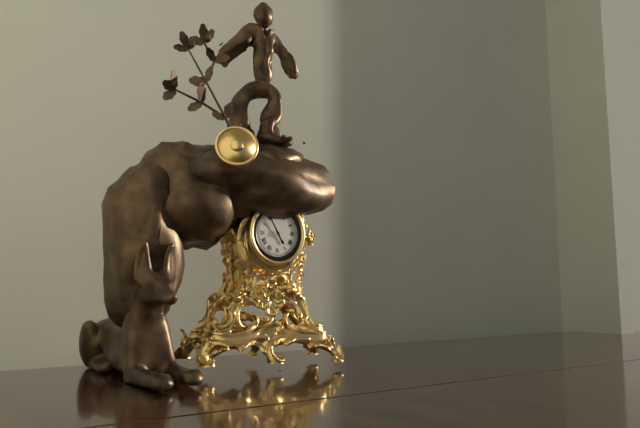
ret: 4:55
